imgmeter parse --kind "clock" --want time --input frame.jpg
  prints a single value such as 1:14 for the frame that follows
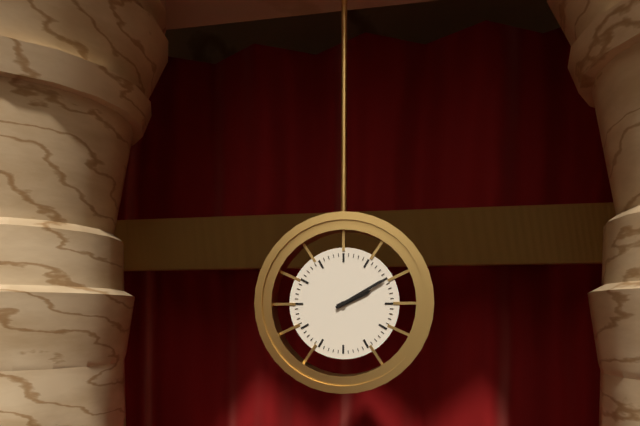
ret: 2:10
